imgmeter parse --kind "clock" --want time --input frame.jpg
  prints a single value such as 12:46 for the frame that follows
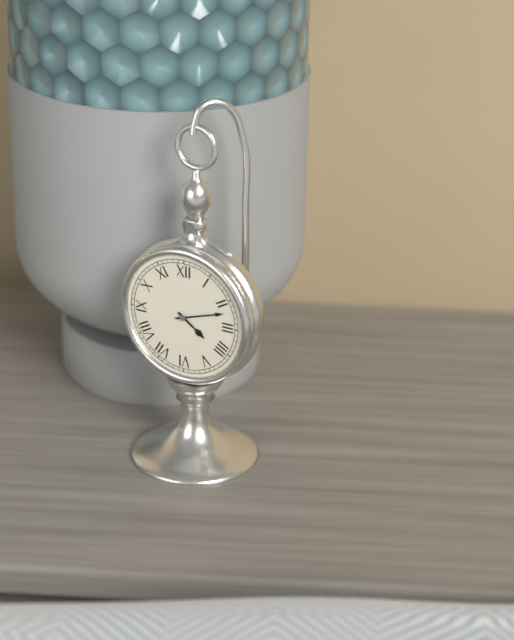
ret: 4:12
